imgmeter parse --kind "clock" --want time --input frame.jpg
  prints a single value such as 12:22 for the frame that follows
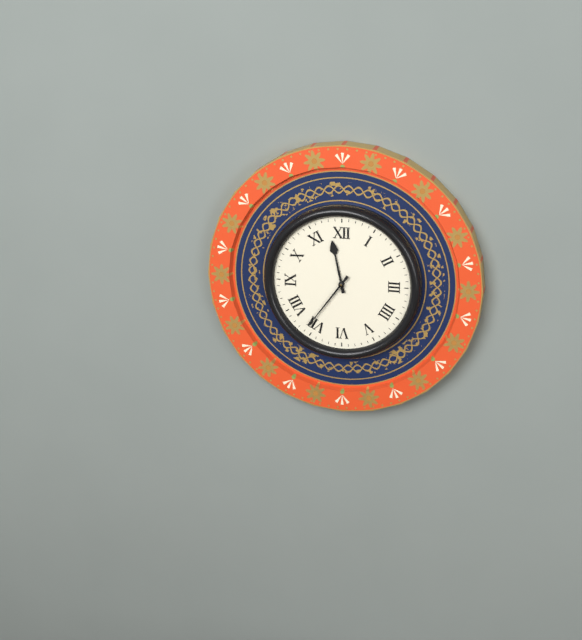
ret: 11:36
